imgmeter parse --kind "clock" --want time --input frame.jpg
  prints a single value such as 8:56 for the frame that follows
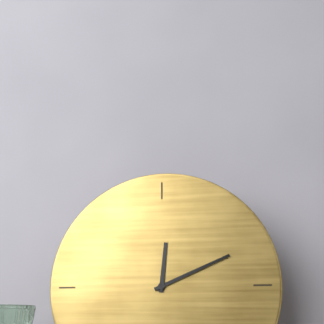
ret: 12:11
